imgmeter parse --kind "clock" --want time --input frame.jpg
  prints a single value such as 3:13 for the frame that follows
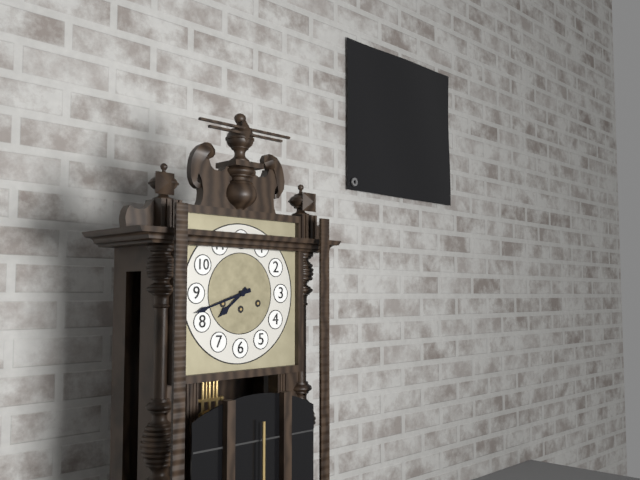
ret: 7:42
